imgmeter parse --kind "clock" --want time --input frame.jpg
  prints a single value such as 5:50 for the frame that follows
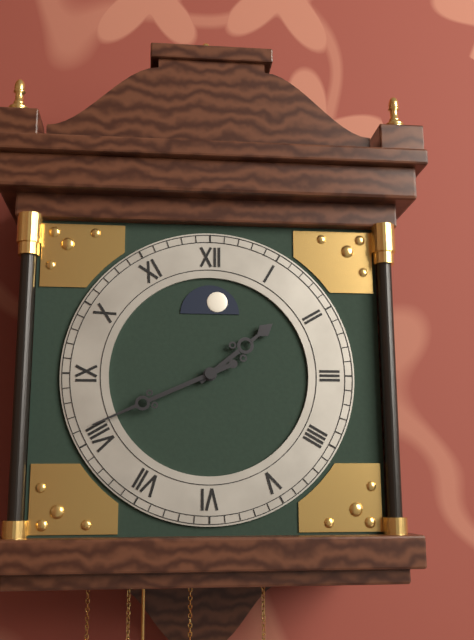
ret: 1:41
